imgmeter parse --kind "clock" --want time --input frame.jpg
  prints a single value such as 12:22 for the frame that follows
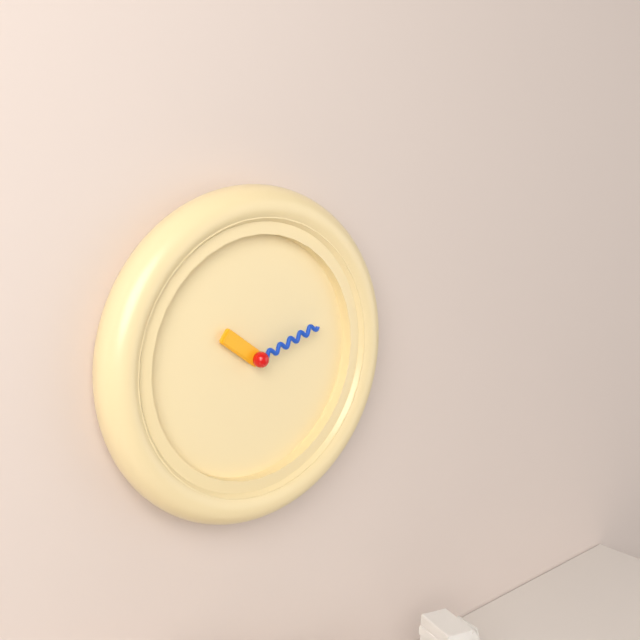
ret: 10:12
